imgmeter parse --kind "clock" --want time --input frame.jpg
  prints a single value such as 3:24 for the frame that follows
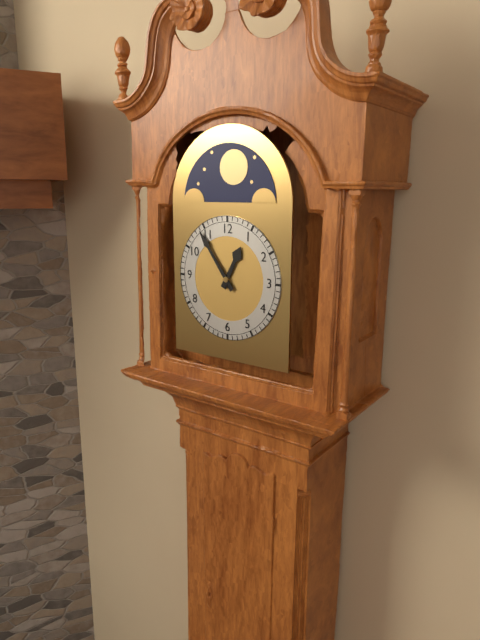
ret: 12:54
